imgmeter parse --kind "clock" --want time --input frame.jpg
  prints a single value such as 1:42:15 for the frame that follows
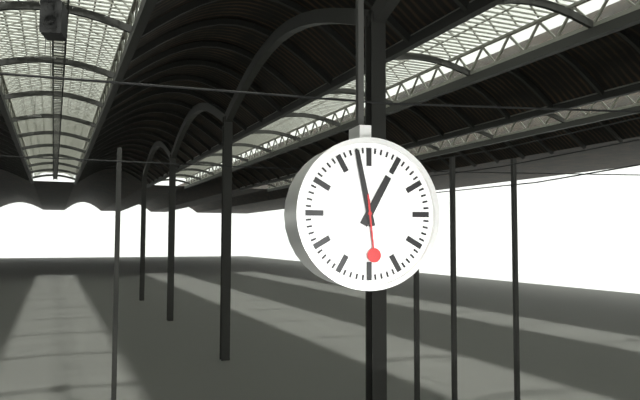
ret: 12:58:29
